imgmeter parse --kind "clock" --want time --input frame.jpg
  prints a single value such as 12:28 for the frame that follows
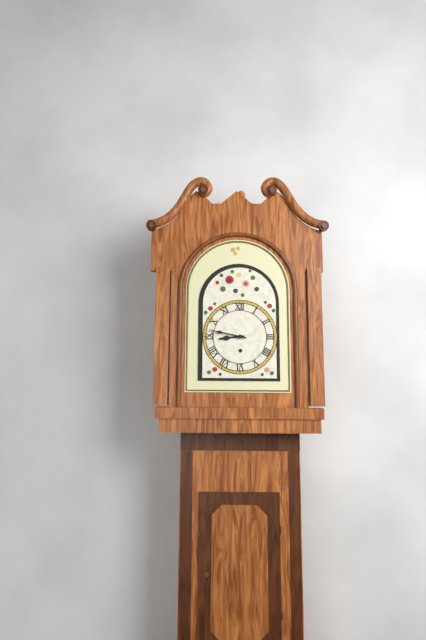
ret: 8:47
